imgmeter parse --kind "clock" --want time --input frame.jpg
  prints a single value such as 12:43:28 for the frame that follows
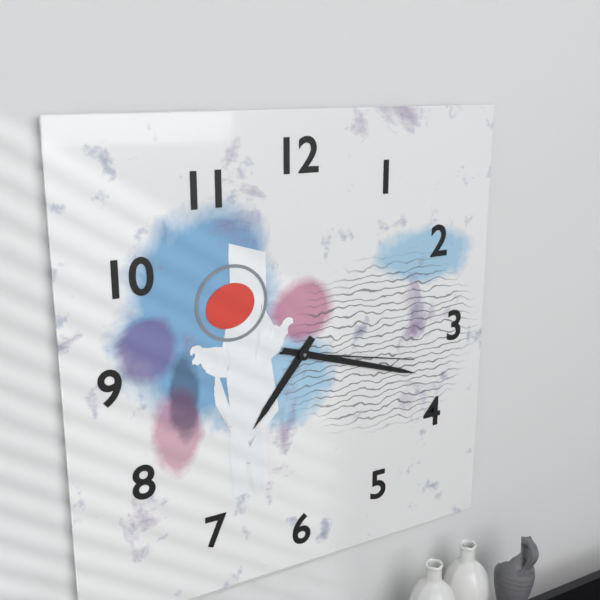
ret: 7:18:17
